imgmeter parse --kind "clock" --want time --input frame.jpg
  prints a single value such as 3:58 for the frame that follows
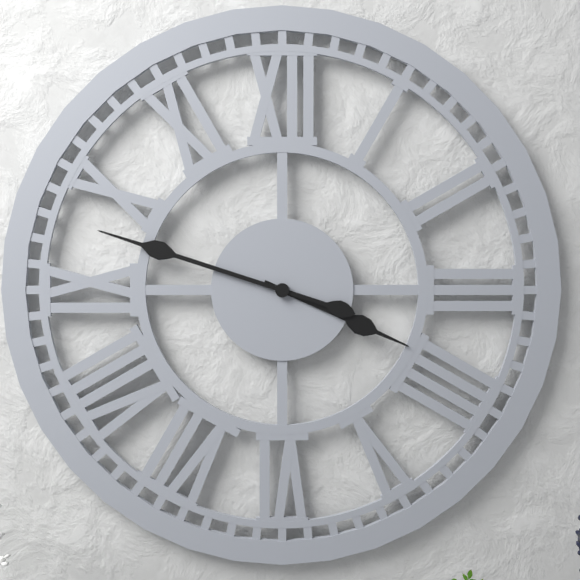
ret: 3:48
